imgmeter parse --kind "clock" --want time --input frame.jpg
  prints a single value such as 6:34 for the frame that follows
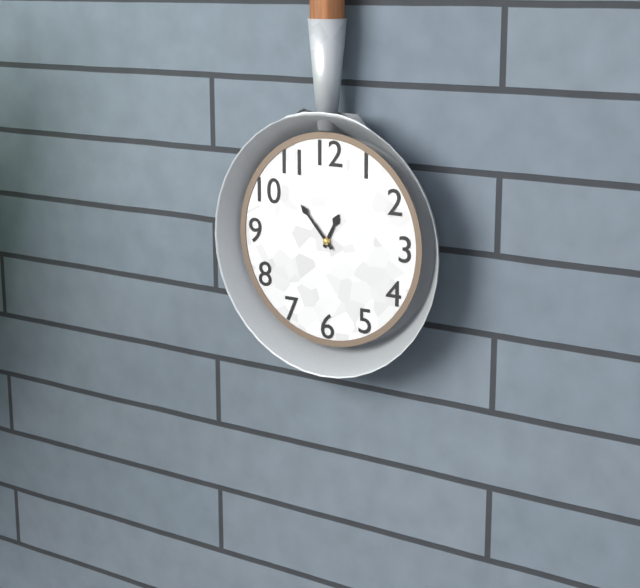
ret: 12:53
